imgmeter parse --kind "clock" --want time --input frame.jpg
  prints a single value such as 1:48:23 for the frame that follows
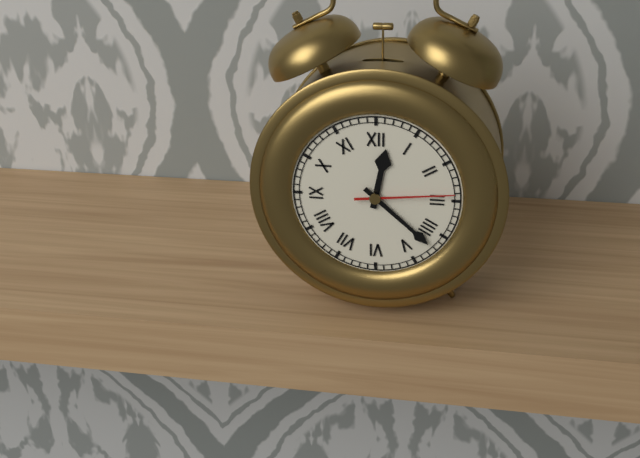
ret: 12:22:14
